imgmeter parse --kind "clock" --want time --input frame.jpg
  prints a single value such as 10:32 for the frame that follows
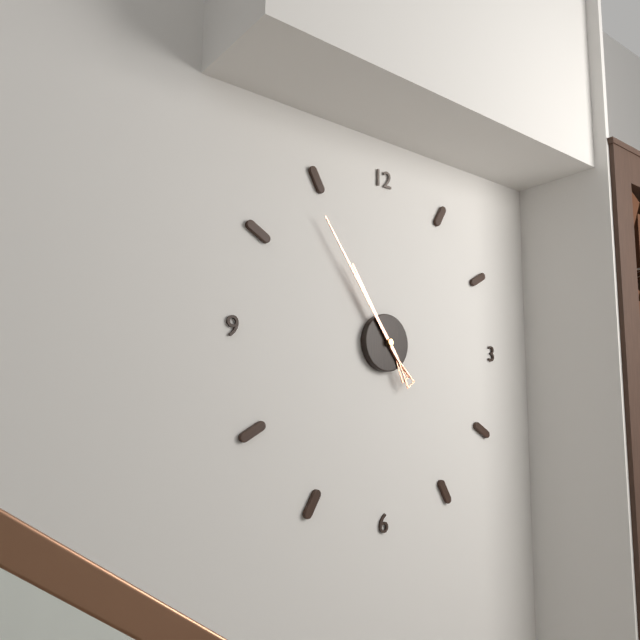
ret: 10:54
